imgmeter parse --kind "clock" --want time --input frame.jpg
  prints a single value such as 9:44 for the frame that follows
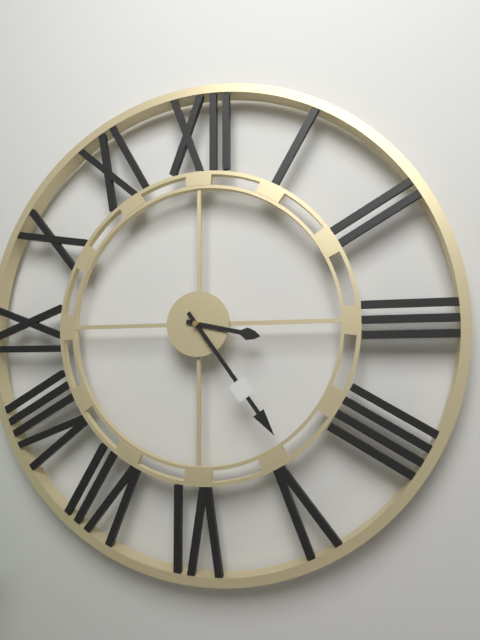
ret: 3:24
